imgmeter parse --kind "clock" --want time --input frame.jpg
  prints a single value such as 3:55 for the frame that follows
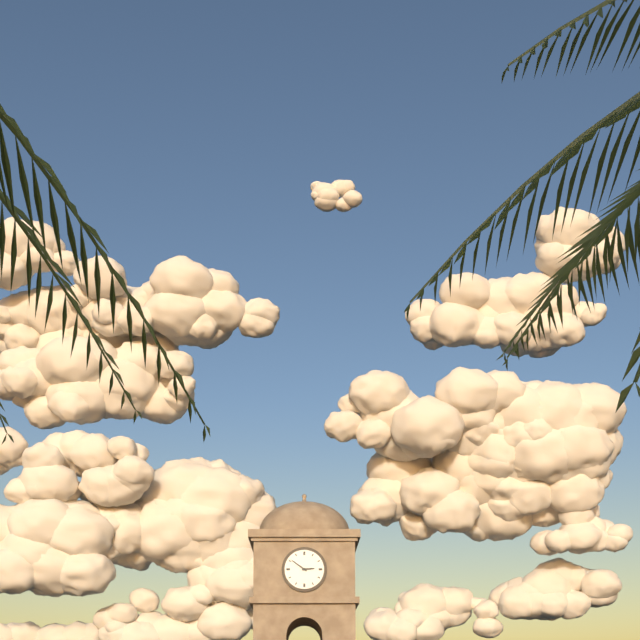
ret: 2:51
